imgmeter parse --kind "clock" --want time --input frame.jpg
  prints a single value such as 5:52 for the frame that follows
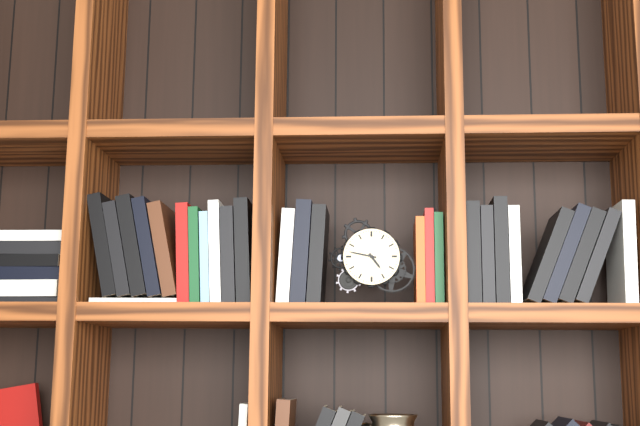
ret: 4:47
